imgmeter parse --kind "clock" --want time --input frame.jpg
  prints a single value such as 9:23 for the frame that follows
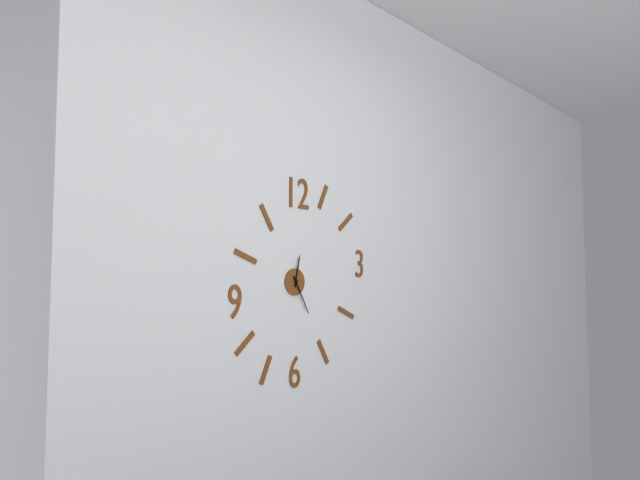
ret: 12:25
